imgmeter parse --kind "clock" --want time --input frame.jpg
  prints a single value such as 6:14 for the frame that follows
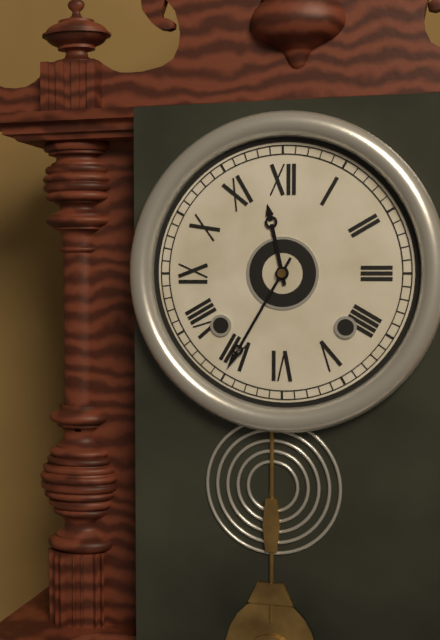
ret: 11:35
